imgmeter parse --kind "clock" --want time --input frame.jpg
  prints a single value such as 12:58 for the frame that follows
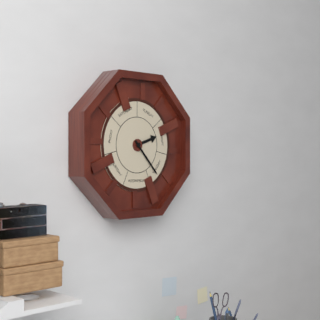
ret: 2:23
